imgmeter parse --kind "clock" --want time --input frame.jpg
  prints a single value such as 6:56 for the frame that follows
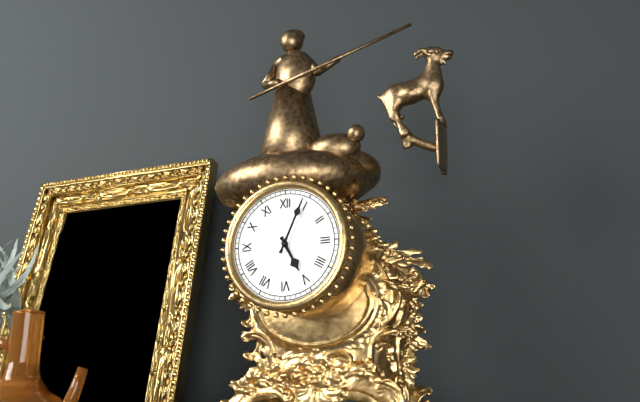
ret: 5:04
